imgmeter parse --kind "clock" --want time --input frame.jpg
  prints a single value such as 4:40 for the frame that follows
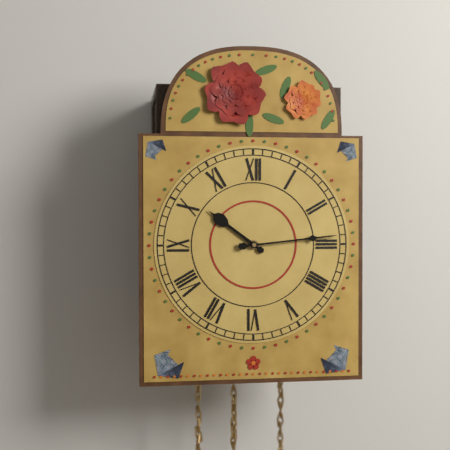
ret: 10:14
